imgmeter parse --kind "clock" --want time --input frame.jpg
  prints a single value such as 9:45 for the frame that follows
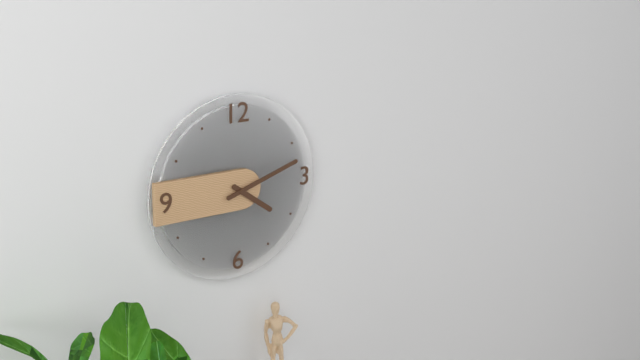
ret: 4:12
